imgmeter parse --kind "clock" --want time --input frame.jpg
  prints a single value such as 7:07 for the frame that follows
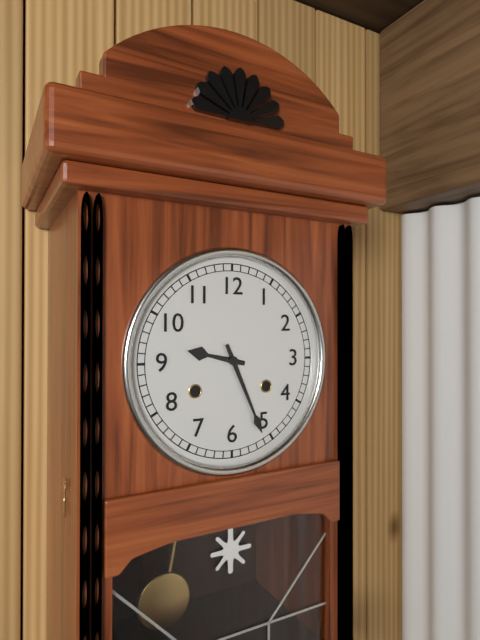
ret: 9:26
